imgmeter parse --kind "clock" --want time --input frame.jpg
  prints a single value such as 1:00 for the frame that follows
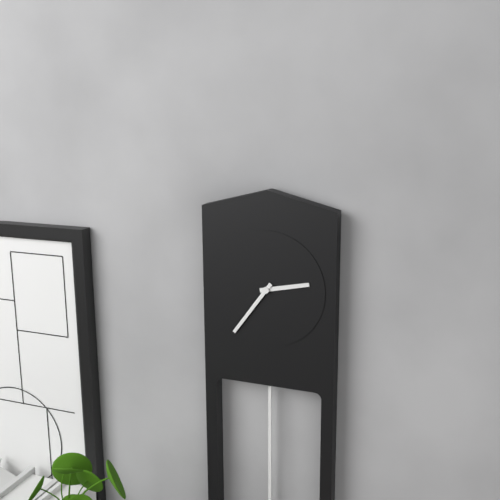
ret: 2:36
